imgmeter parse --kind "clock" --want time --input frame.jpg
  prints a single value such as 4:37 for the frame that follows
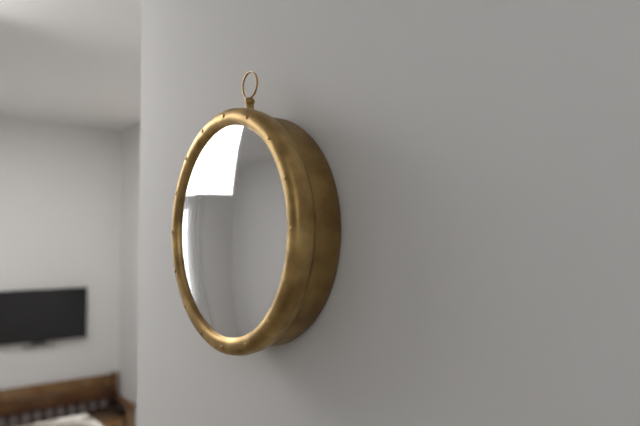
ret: 3:05
